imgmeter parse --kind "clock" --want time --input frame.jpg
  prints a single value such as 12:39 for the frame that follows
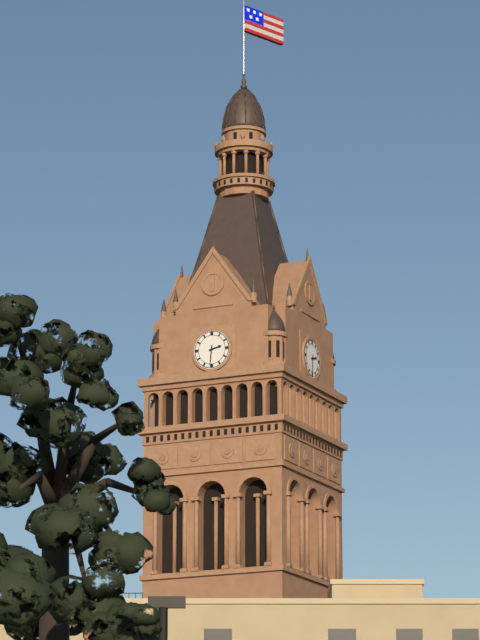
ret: 2:31
